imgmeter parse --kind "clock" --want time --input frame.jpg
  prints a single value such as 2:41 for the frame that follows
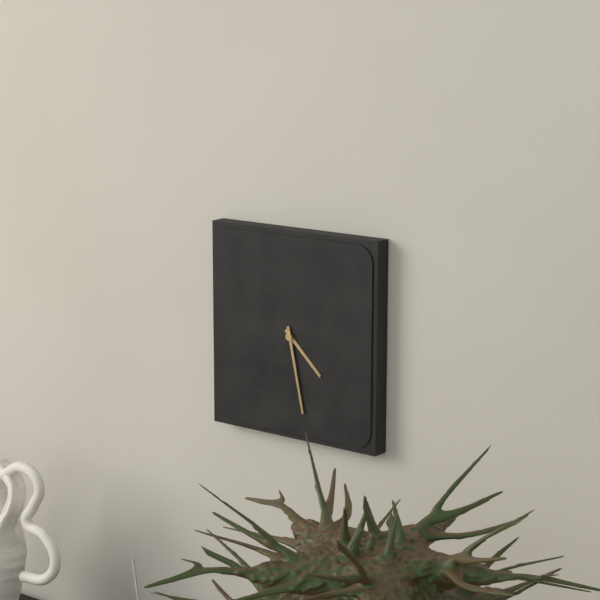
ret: 4:28
